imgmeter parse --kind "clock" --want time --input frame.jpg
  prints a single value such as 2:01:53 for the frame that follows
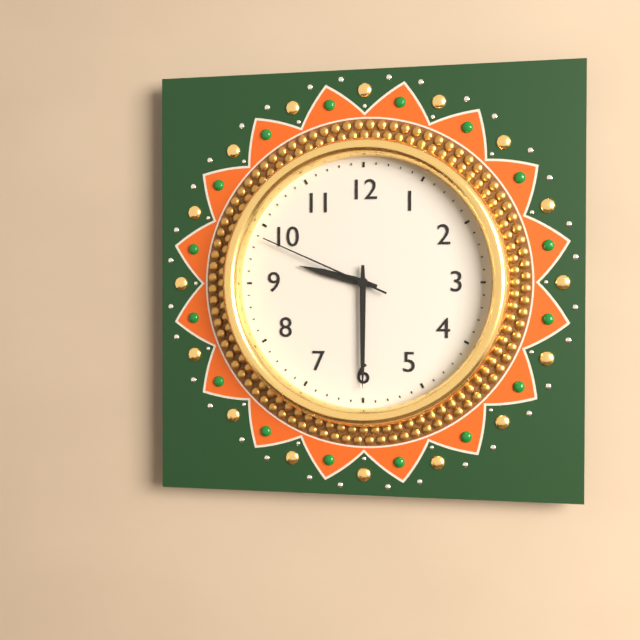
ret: 9:30:49
